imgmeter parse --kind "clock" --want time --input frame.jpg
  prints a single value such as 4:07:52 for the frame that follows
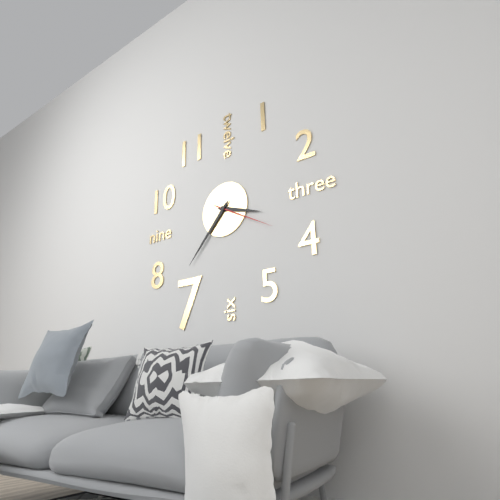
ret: 3:37:20
